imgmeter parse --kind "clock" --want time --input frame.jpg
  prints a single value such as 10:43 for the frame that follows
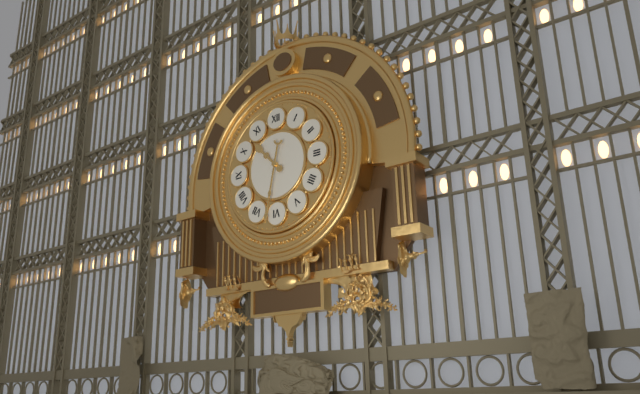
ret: 10:32
